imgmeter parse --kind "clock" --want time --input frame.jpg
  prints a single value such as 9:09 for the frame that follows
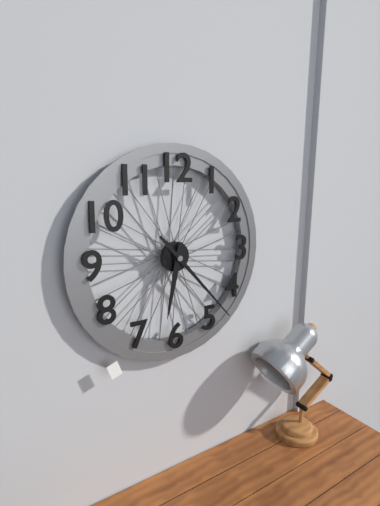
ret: 6:23
